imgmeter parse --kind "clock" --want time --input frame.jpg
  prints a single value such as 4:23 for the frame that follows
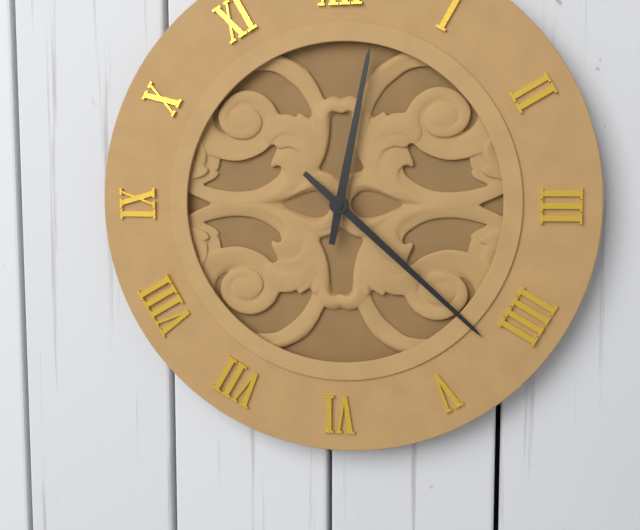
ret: 12:22
